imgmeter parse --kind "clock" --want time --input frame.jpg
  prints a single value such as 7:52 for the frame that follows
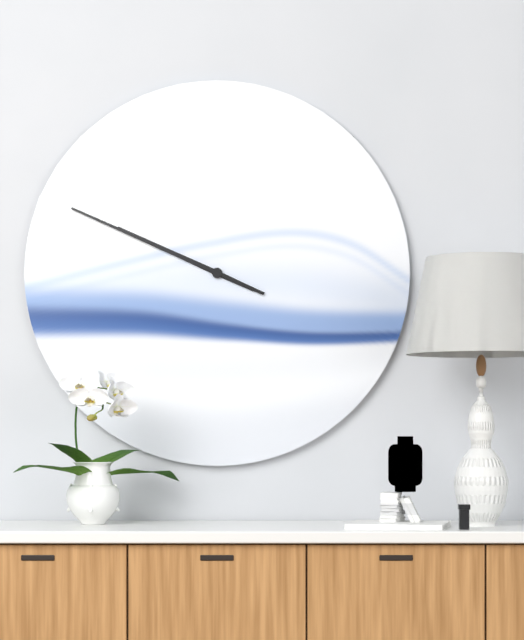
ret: 9:49
